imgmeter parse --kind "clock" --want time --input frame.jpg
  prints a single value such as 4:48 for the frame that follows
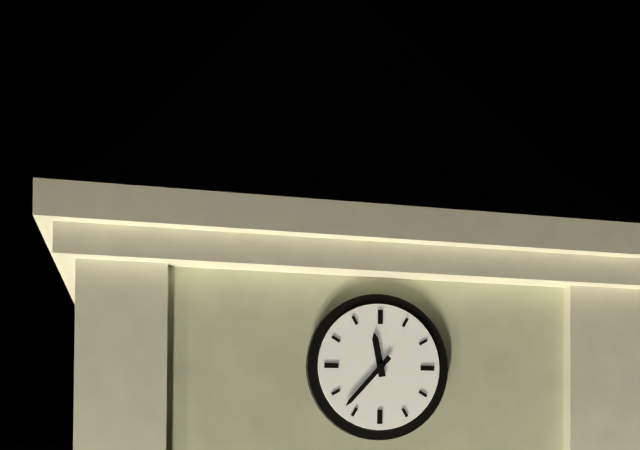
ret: 11:37
